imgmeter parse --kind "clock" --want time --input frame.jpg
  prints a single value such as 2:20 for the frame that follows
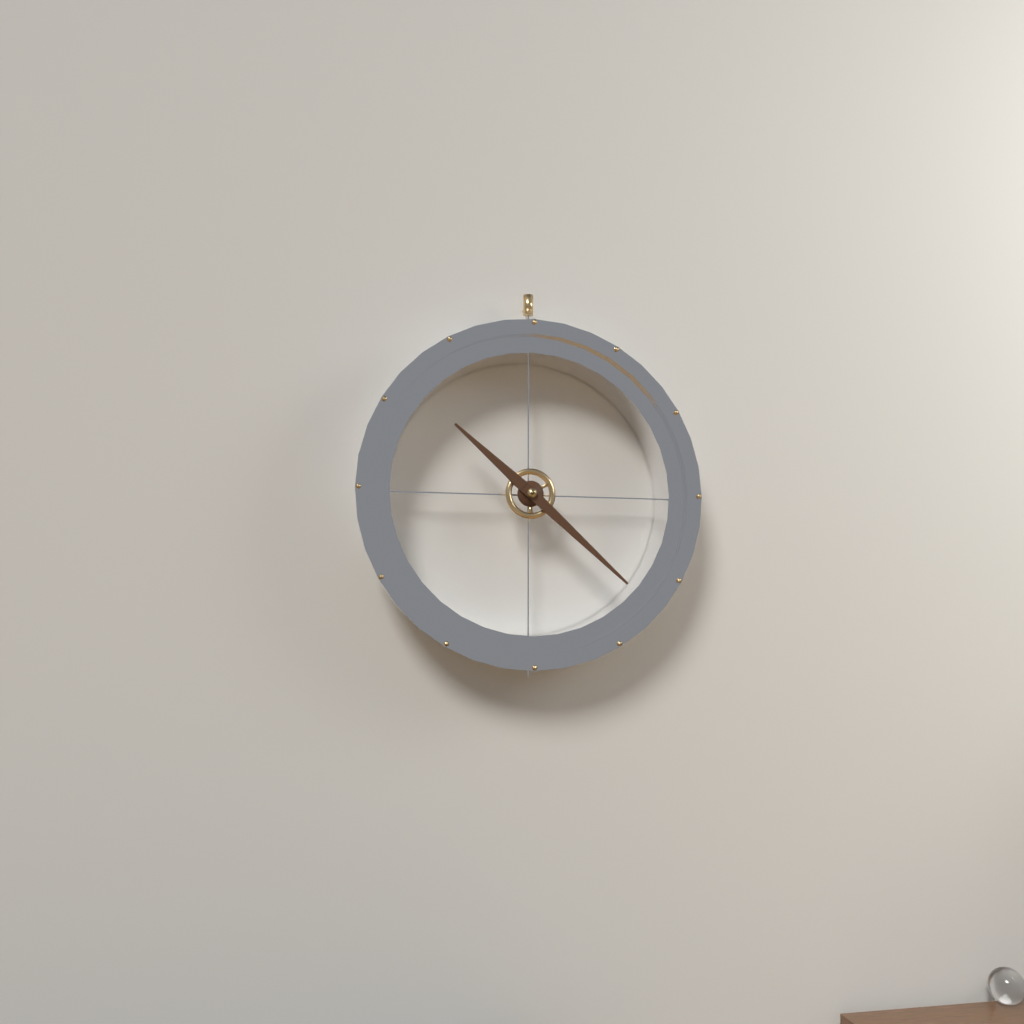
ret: 10:22
